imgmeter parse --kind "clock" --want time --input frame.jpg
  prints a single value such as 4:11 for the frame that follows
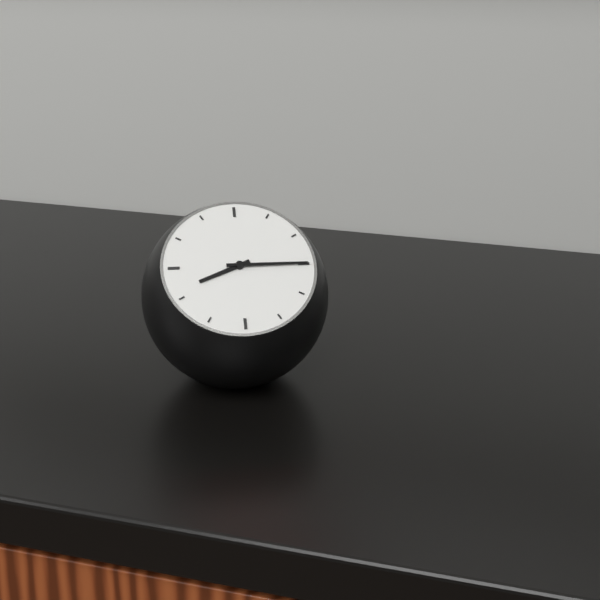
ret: 8:15
